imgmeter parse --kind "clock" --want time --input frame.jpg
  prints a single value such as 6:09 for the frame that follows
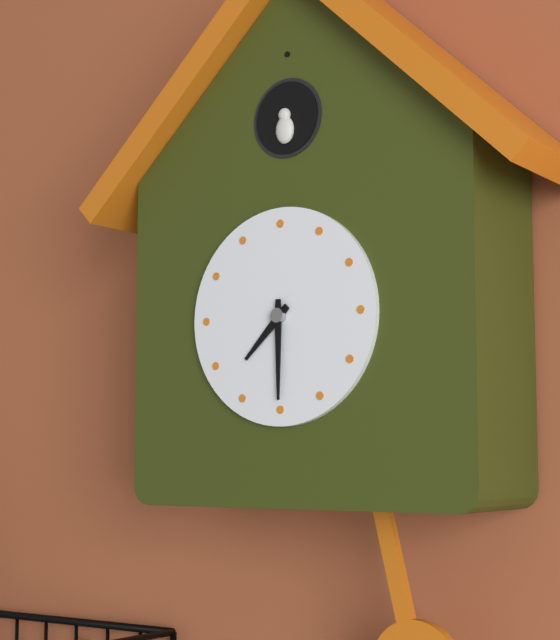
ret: 7:30
